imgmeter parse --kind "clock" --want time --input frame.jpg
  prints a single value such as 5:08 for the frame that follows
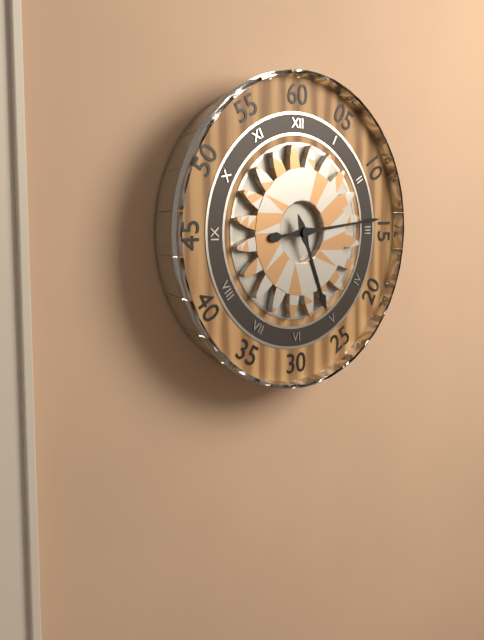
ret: 5:14
